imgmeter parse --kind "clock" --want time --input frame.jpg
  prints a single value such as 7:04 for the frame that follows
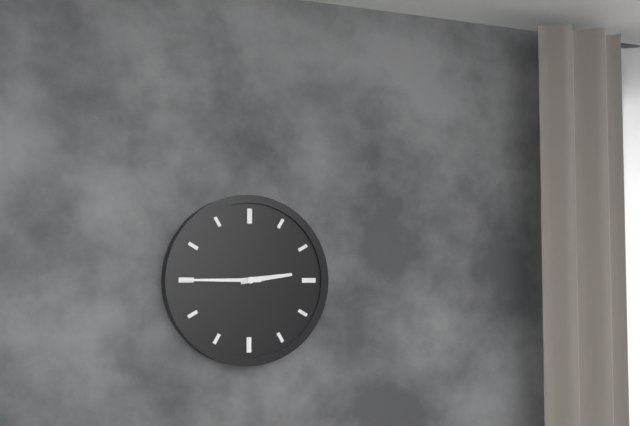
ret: 2:45
